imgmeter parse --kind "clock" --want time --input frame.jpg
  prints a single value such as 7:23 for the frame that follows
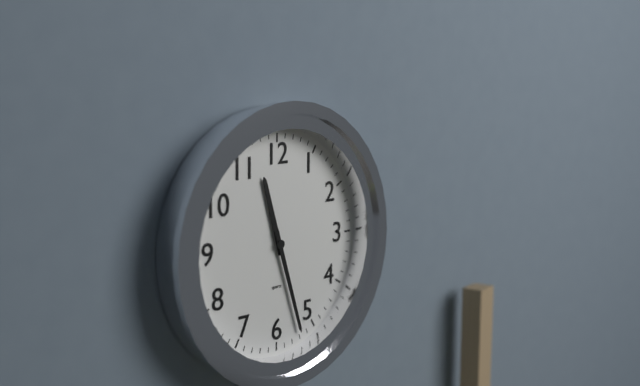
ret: 11:27
